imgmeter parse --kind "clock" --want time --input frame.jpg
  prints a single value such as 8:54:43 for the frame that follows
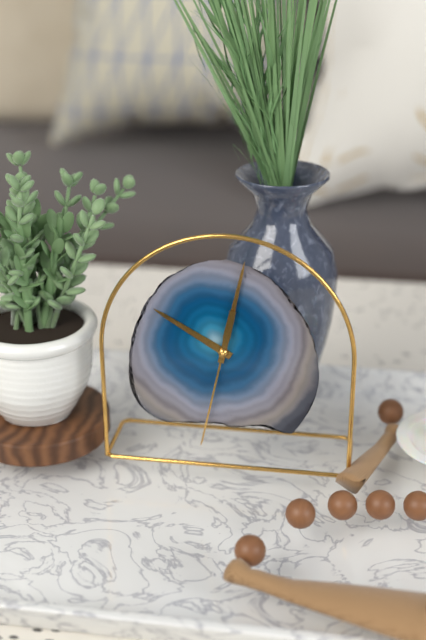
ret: 10:02:32
